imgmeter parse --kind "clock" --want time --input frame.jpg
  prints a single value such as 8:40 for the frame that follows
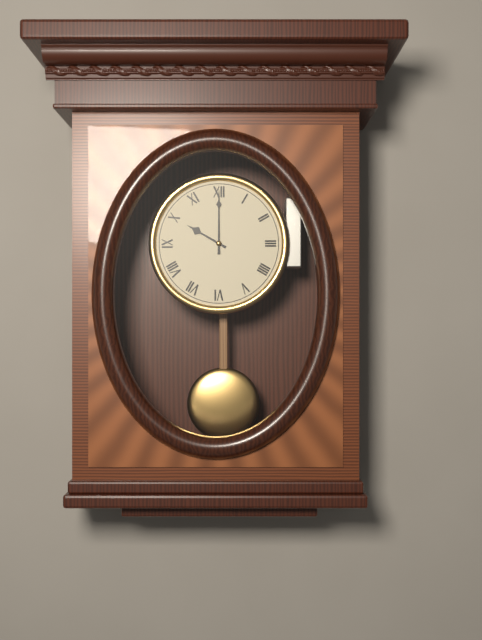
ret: 10:00
